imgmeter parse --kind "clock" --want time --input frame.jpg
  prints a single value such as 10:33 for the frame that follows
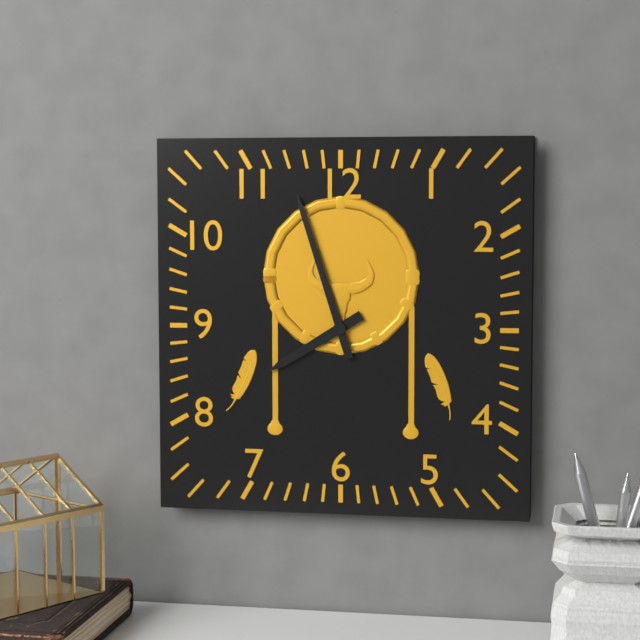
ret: 7:57
